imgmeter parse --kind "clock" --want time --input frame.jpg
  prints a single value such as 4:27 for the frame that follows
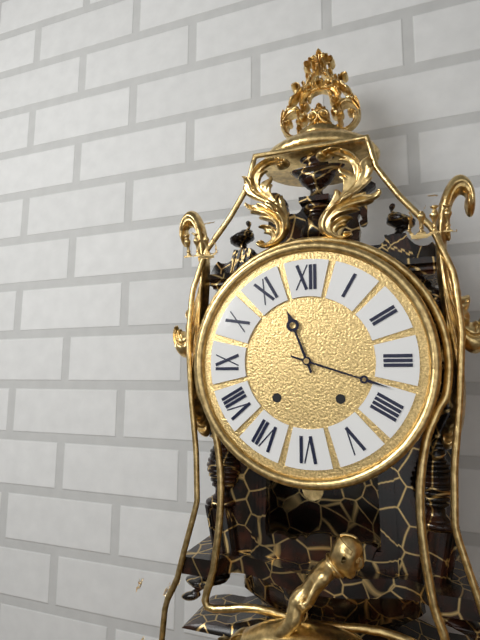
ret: 11:18
